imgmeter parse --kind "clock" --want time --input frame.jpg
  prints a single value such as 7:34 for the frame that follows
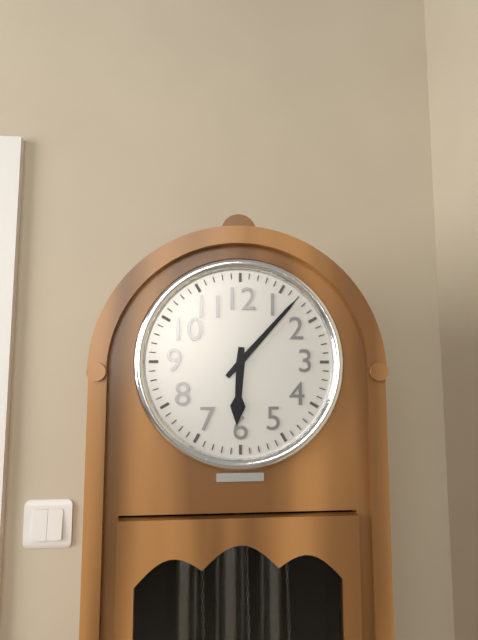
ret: 6:07
